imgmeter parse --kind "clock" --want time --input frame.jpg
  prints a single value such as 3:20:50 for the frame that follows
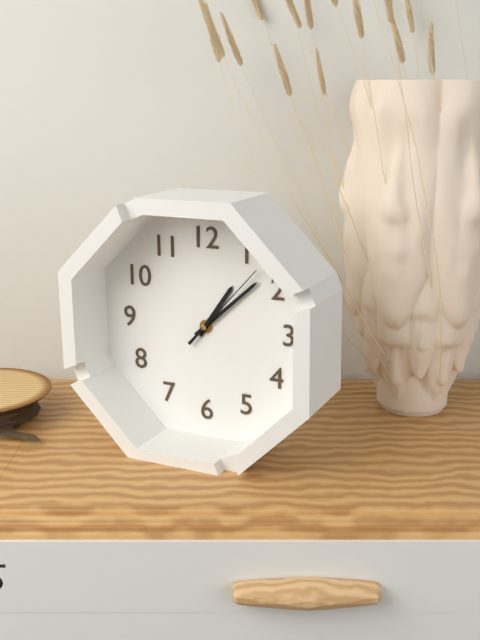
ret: 1:08:07
